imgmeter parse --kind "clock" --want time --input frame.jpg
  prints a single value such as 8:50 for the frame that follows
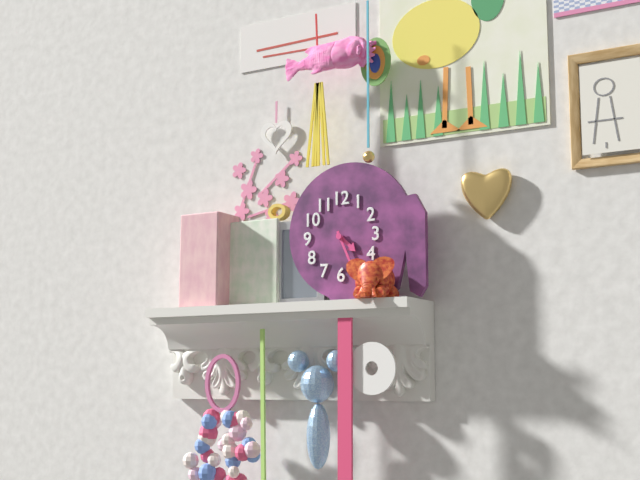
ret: 4:26
